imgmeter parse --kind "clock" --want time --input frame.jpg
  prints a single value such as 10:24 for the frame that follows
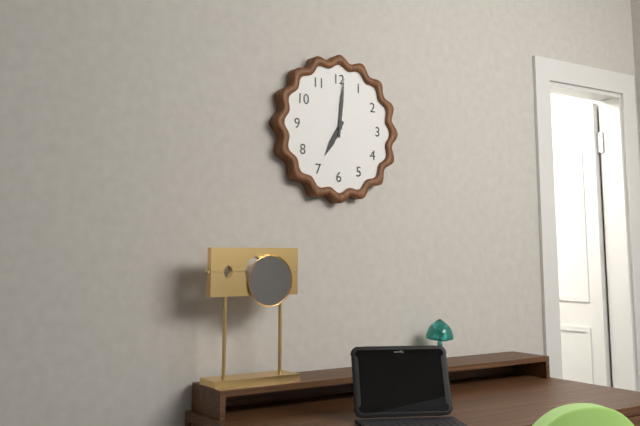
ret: 7:01
